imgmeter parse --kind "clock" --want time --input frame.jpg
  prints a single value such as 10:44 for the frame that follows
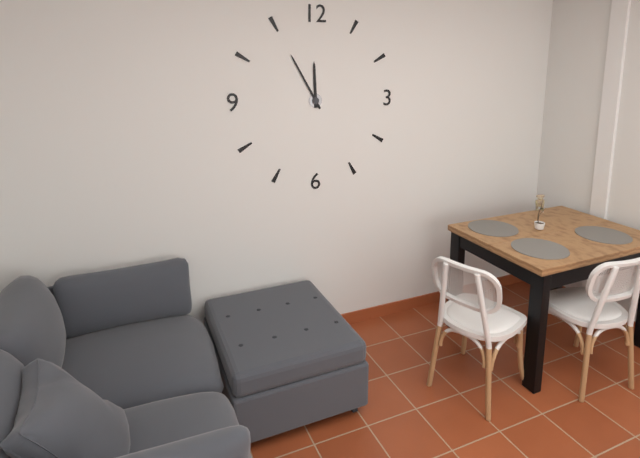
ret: 11:55
